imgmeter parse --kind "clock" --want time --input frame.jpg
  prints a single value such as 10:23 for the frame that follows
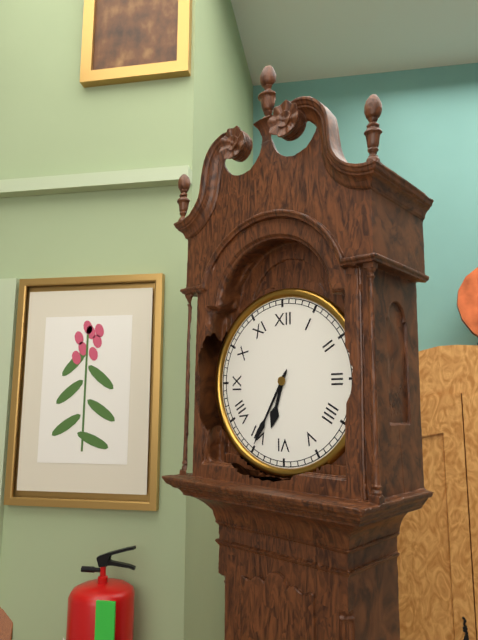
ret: 6:35
